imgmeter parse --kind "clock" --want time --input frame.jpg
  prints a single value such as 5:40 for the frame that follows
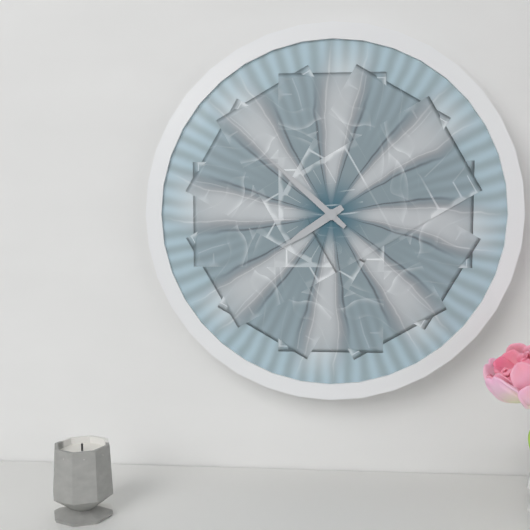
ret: 7:52
